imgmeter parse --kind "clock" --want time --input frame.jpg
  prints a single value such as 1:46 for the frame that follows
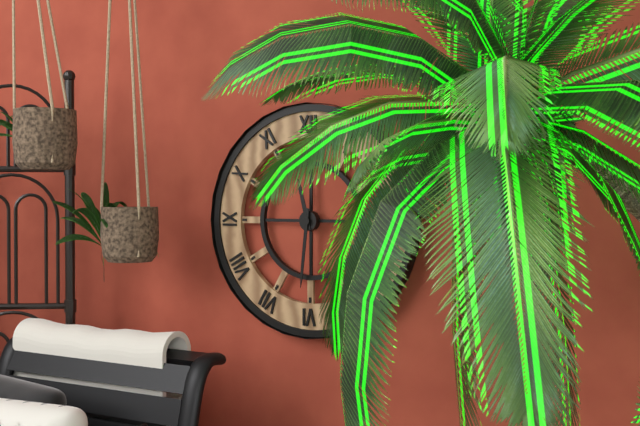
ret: 11:31
